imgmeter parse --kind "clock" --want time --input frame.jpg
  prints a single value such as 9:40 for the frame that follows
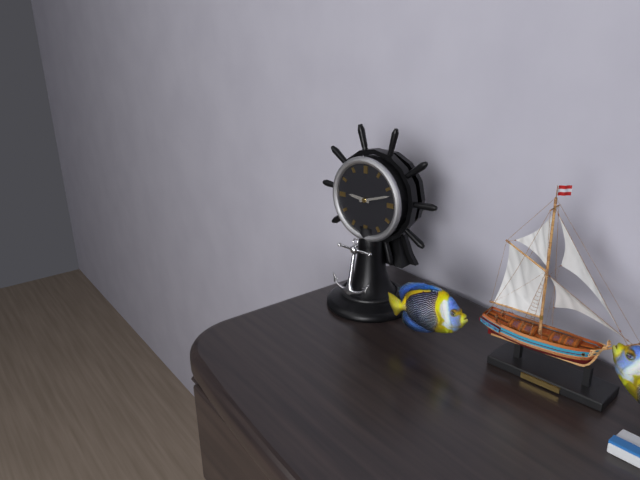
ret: 9:12
